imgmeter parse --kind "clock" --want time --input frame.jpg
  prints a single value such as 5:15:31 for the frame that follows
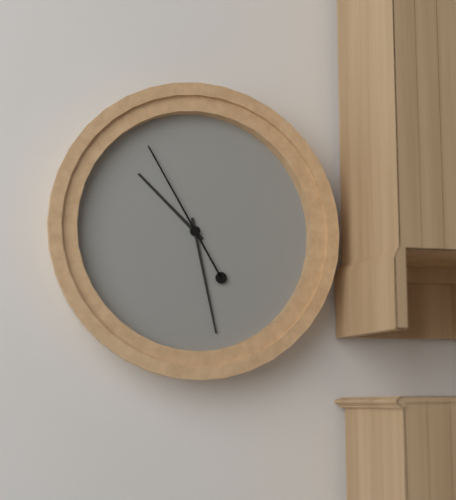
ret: 10:28:55
